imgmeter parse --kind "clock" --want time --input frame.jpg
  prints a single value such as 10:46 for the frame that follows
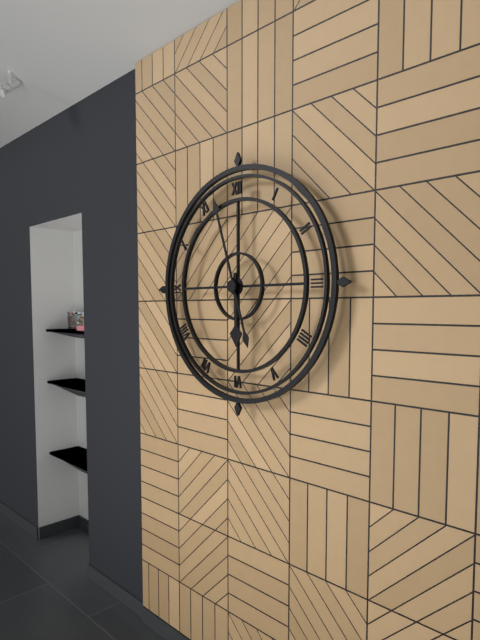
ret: 5:57
